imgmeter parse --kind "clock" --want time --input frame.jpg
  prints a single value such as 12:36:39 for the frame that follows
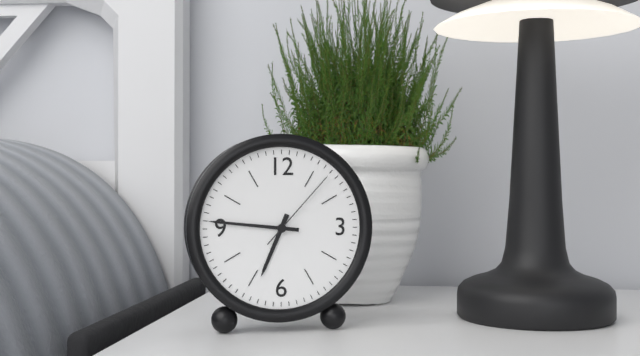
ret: 6:46:07
